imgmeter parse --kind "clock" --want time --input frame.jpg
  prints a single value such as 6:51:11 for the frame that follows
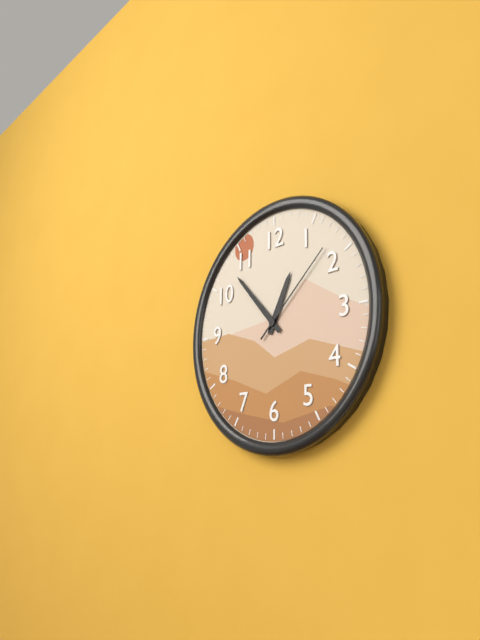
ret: 12:53:08
